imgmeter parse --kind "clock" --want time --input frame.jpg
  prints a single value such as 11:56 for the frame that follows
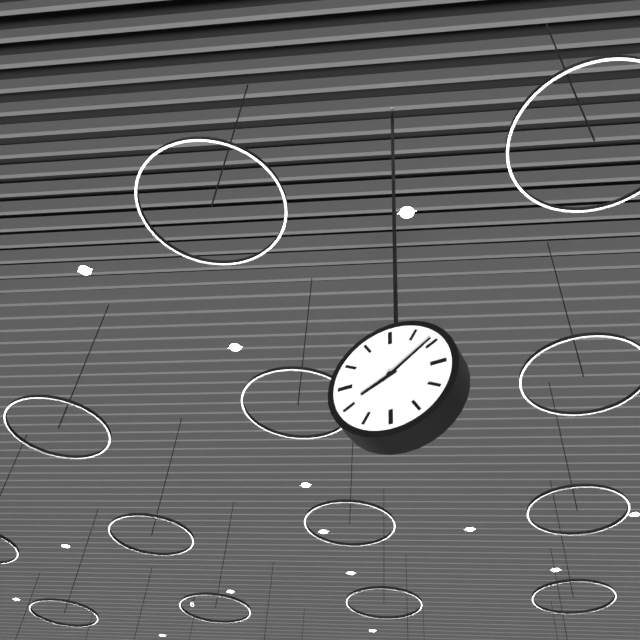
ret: 8:09
